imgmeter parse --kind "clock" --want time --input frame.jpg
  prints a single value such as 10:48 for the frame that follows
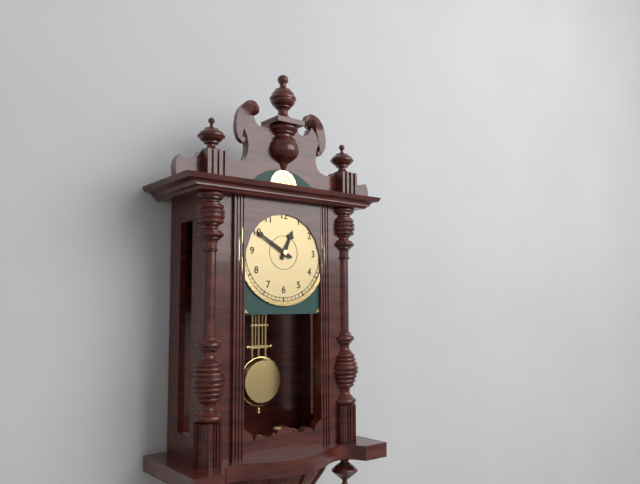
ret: 12:50
